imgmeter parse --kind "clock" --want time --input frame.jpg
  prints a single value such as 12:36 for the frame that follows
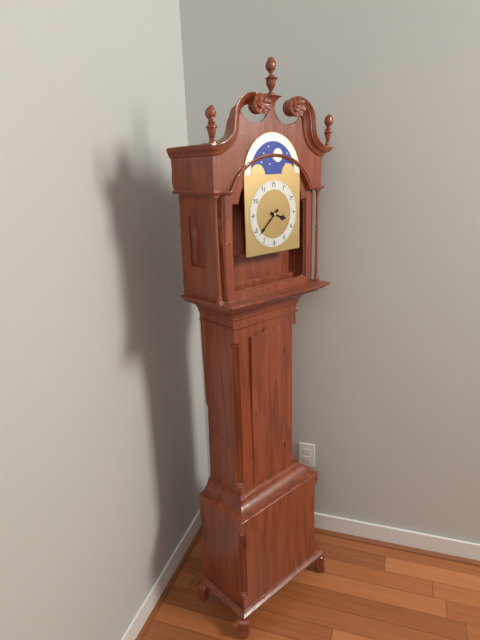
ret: 3:38
